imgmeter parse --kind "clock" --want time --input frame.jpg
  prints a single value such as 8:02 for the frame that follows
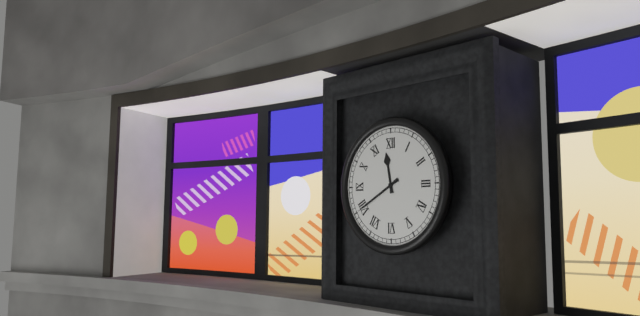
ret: 11:40
